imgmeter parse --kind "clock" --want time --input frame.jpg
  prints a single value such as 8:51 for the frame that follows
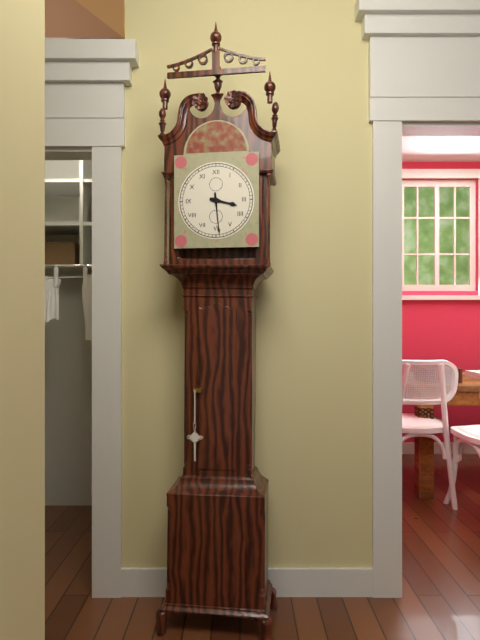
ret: 3:29
